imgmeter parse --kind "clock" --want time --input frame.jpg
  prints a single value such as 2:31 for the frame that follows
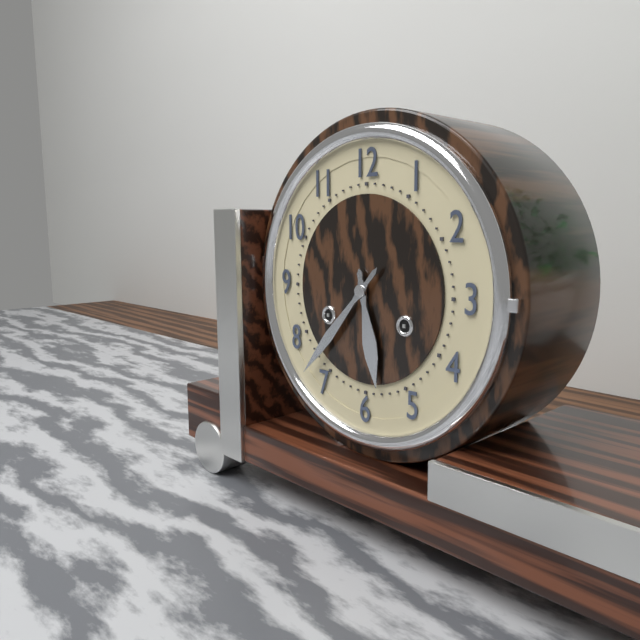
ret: 5:37
